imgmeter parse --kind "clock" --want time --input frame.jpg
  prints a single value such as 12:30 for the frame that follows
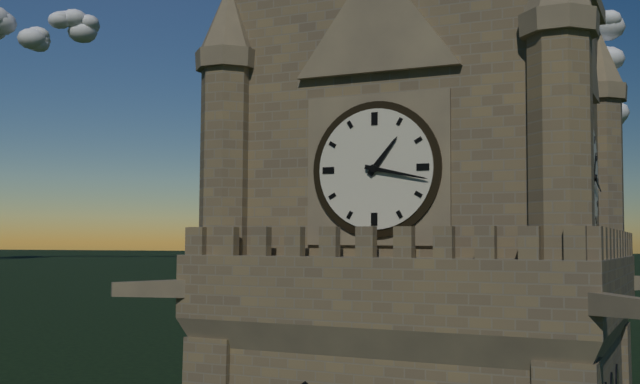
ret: 1:17
